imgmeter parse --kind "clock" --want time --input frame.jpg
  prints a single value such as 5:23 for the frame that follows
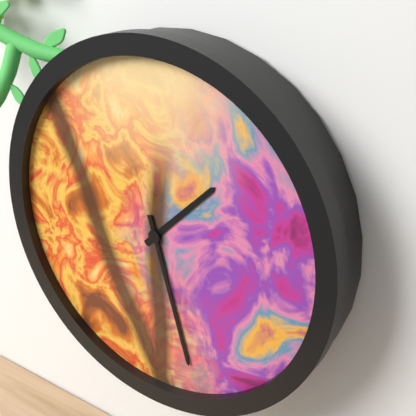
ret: 1:27
